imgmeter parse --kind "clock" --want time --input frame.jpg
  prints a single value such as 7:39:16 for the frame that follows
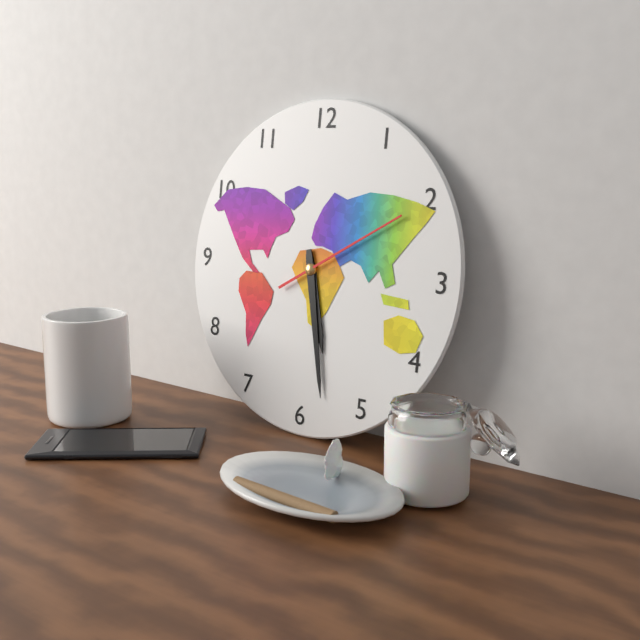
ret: 5:28:10
